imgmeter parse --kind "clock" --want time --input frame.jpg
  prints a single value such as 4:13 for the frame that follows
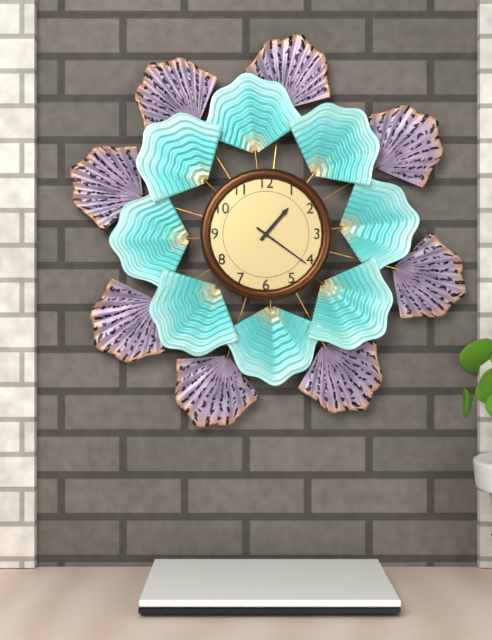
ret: 1:21
